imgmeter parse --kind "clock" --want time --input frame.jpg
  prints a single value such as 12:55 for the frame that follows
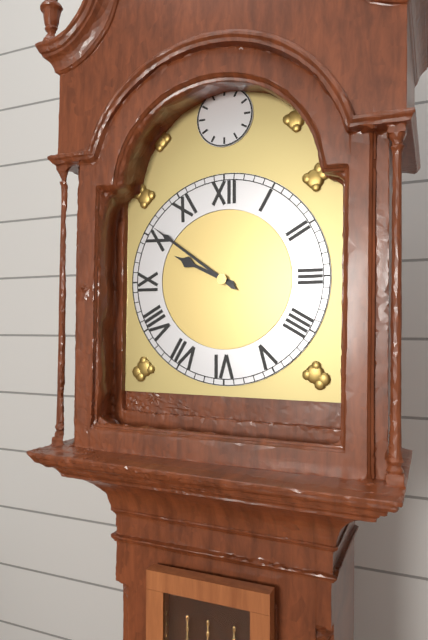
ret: 9:51
